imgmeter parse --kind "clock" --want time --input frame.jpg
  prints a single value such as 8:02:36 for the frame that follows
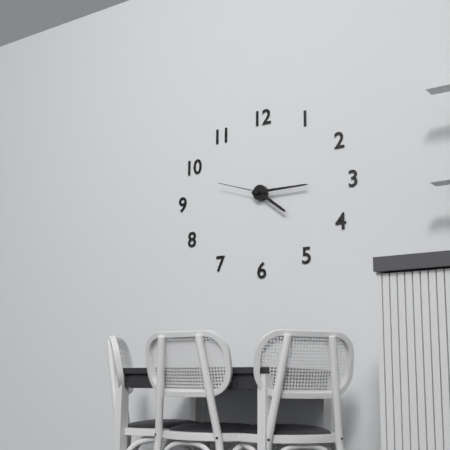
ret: 4:15:48
